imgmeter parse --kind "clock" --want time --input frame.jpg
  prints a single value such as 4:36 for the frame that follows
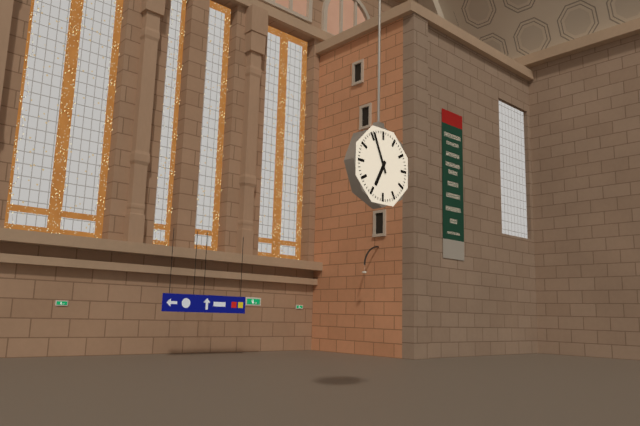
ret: 6:56
